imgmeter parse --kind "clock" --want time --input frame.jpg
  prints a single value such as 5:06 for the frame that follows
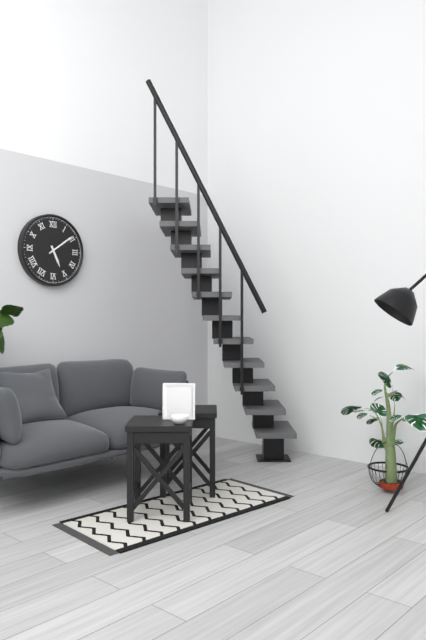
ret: 5:09
